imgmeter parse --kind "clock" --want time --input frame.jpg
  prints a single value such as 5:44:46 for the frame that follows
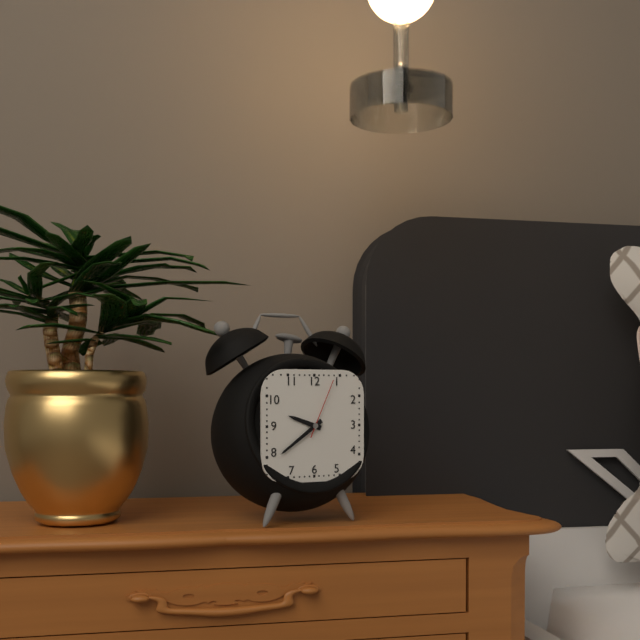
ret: 9:39:04
